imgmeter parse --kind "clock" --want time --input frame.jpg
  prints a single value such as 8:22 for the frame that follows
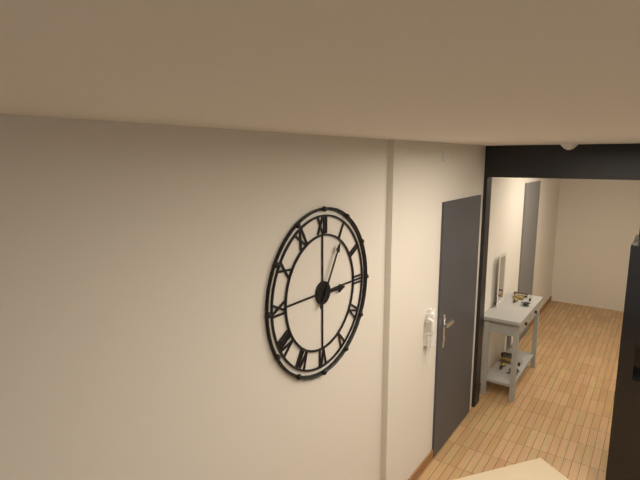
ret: 3:05
